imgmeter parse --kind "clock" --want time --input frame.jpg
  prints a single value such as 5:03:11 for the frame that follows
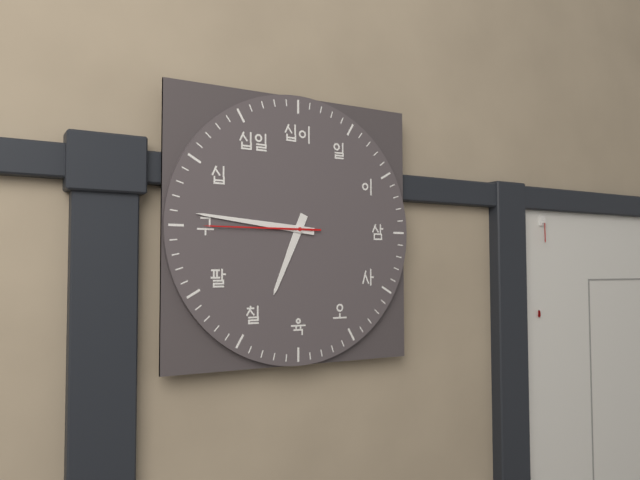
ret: 6:46:45
